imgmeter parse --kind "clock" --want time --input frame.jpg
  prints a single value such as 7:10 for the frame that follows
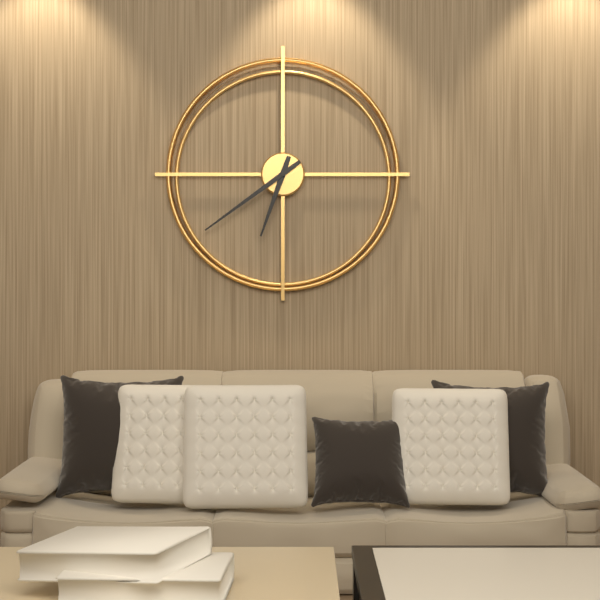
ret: 6:39
